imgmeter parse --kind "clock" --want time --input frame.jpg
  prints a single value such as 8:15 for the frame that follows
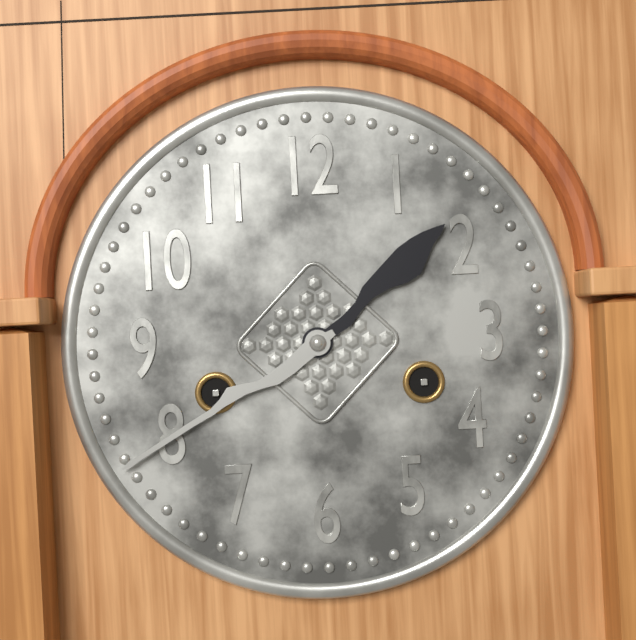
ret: 1:40
